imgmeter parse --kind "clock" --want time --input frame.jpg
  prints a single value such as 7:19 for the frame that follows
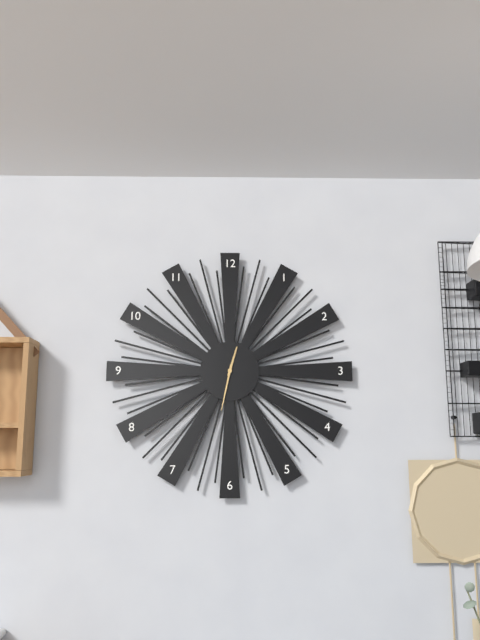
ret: 12:32
